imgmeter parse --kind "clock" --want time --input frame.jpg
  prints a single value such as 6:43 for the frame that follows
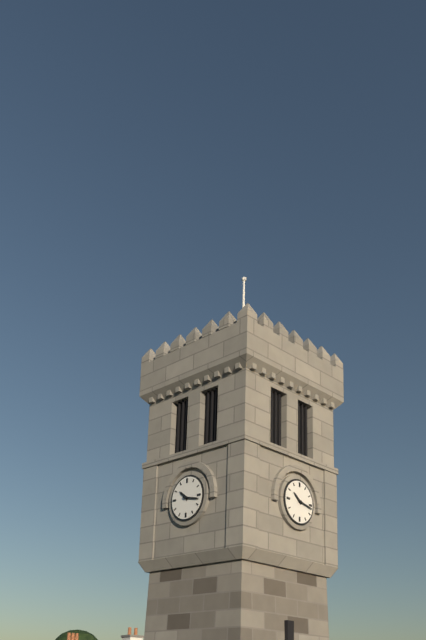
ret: 10:17
